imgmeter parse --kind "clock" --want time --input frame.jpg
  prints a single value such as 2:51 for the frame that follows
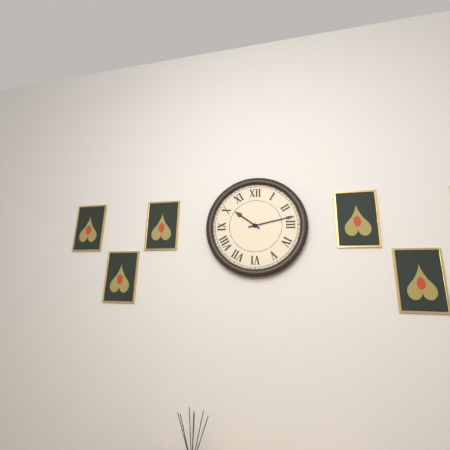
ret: 10:13
